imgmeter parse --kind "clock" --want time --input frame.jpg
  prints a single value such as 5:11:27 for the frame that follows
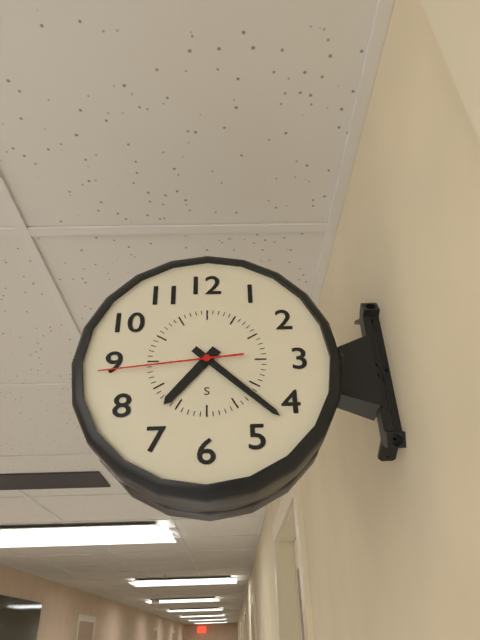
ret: 7:22:44
